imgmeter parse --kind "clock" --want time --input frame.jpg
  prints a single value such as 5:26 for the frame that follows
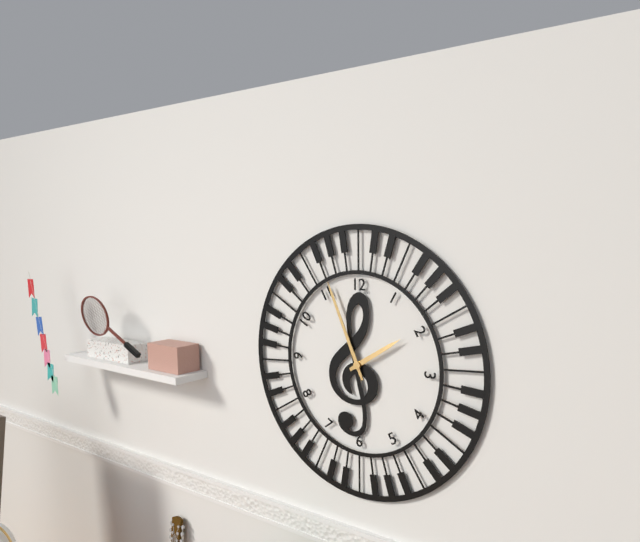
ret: 1:56
